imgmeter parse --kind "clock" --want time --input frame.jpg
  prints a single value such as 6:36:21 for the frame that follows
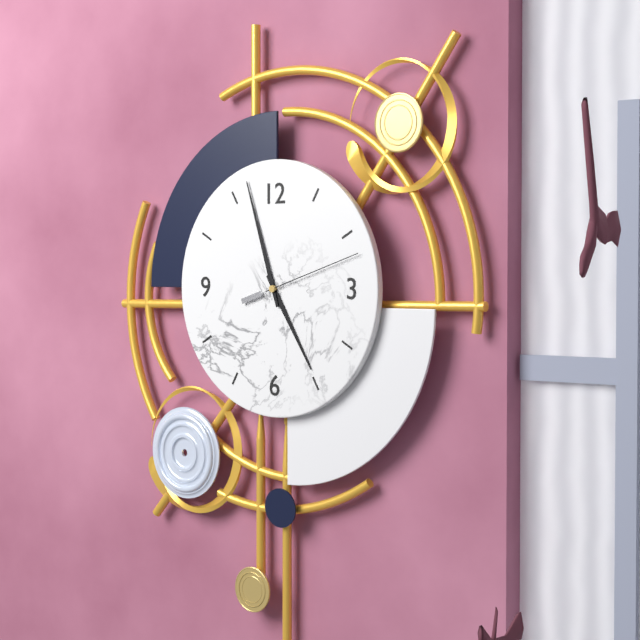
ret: 4:57:12
